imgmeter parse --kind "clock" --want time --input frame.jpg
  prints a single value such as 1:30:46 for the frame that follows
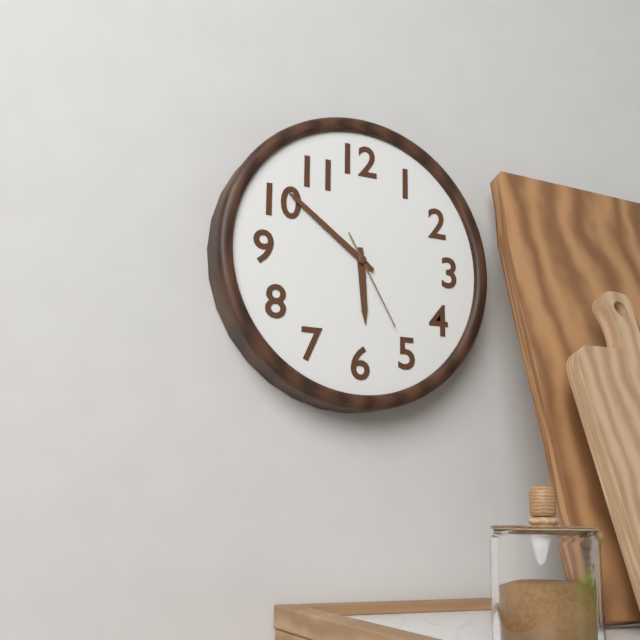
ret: 5:51:25
